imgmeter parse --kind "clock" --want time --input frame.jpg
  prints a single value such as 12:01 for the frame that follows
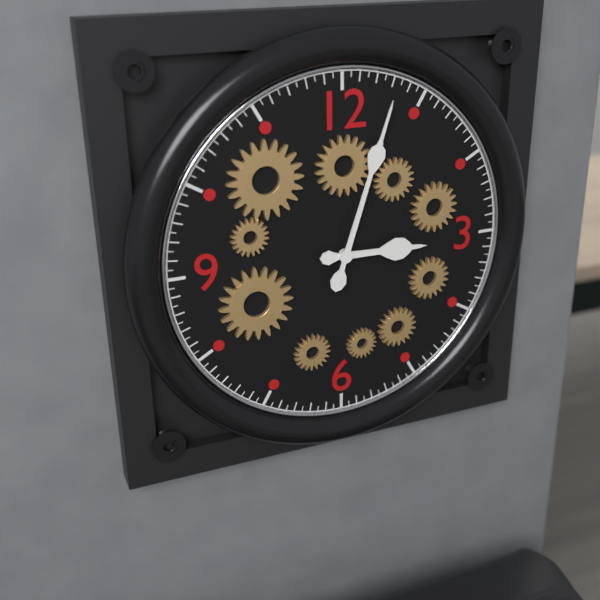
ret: 3:03
